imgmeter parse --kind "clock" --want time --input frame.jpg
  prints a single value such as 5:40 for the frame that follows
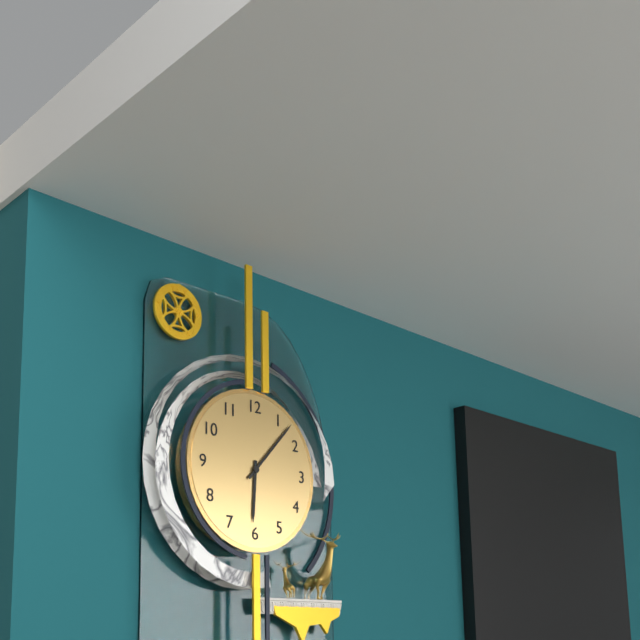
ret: 6:07
